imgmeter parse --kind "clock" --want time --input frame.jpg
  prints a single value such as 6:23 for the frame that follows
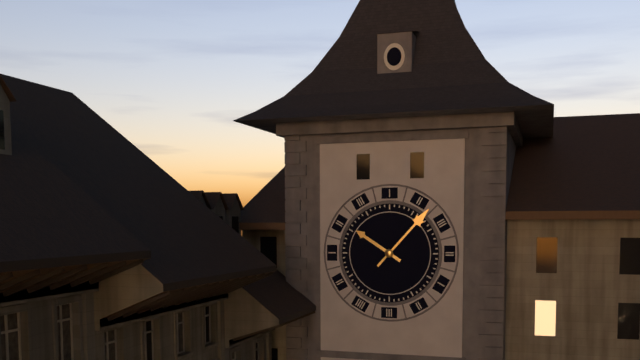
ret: 10:07
